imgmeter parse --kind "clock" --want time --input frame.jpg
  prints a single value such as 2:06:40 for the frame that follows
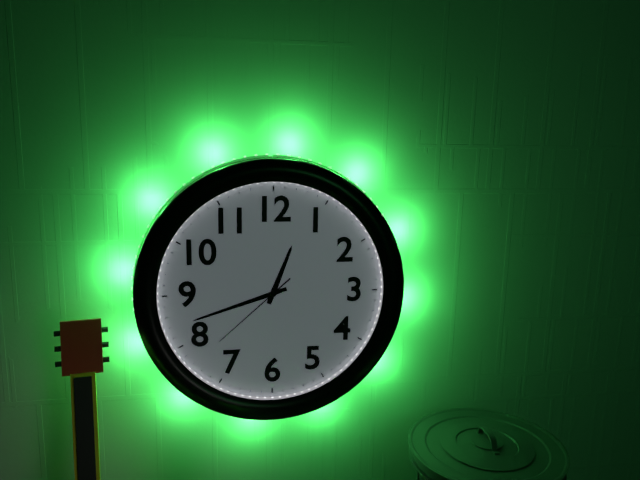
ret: 12:42:38
